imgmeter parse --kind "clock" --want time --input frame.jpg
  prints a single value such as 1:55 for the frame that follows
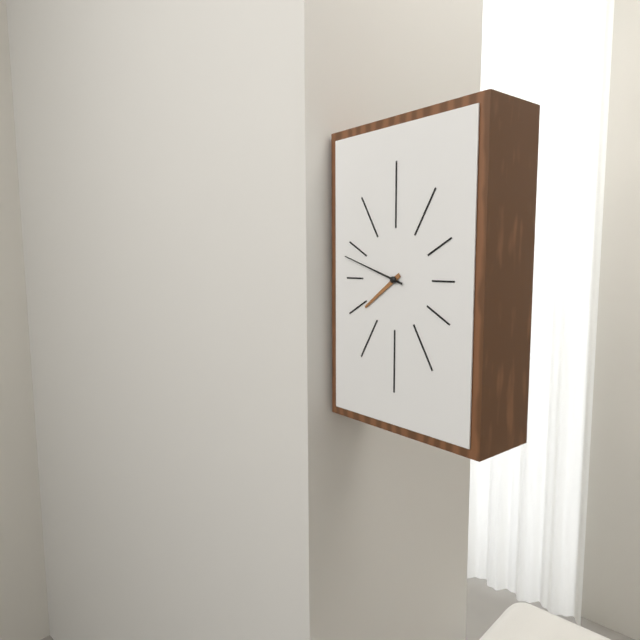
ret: 7:48
